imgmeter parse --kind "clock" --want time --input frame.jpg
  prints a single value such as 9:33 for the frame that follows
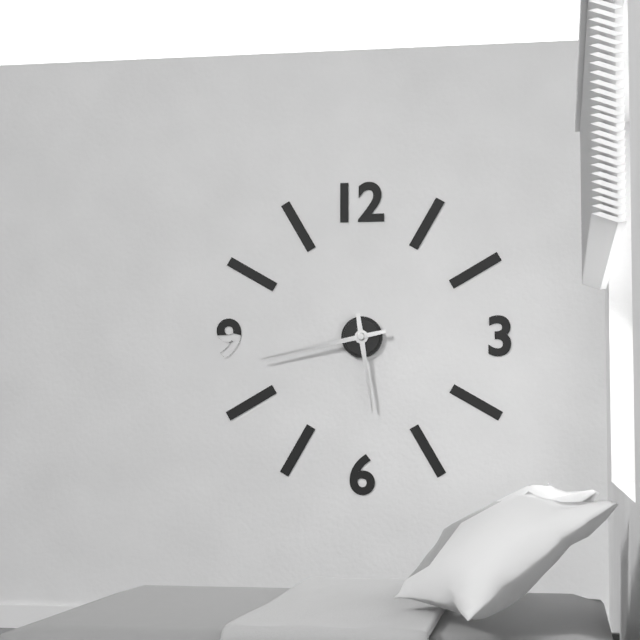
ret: 5:43
